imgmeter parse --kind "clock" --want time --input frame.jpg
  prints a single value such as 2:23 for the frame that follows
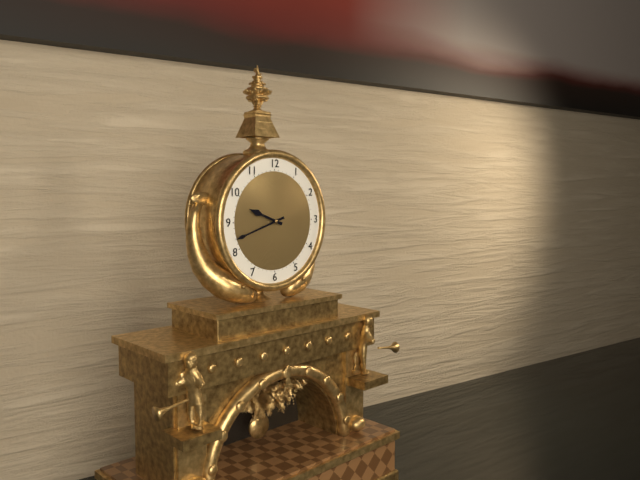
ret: 9:42
